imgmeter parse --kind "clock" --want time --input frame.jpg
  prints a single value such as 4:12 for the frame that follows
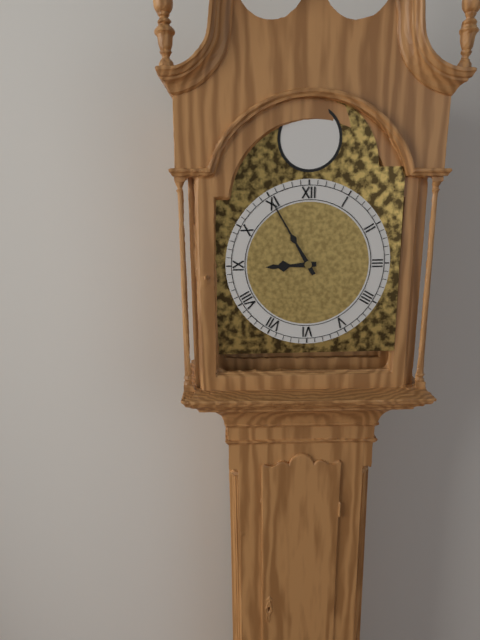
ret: 8:55
